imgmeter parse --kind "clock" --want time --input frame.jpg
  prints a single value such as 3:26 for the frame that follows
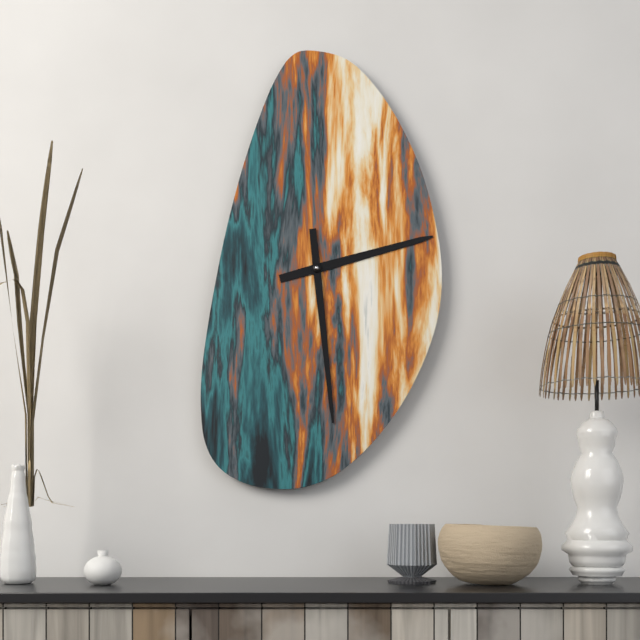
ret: 2:29
